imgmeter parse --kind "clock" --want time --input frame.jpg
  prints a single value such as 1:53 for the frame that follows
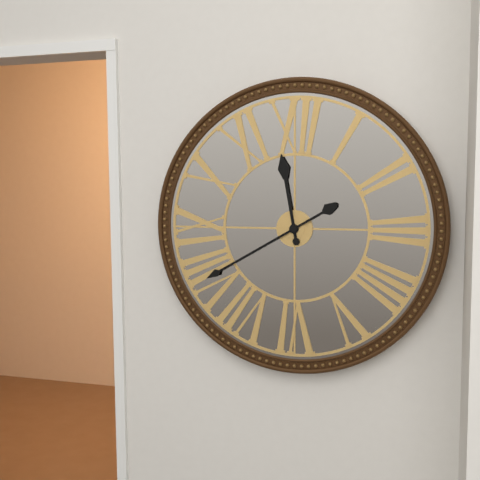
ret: 11:40
